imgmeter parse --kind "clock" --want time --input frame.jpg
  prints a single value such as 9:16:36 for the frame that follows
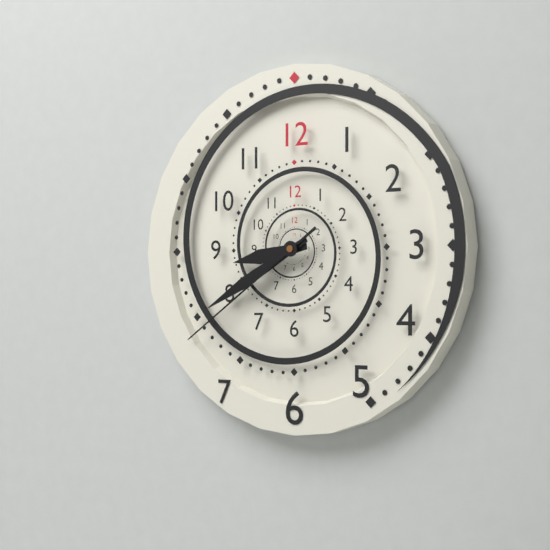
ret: 8:40:39
